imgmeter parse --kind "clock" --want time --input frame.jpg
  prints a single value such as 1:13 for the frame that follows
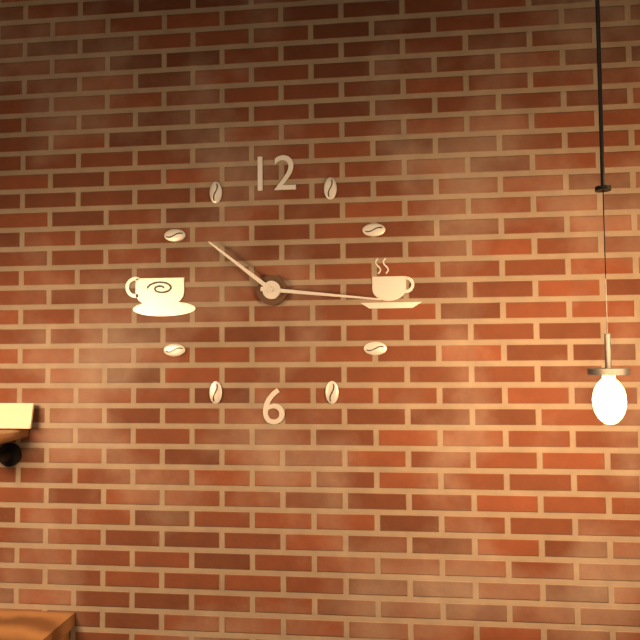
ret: 10:16
